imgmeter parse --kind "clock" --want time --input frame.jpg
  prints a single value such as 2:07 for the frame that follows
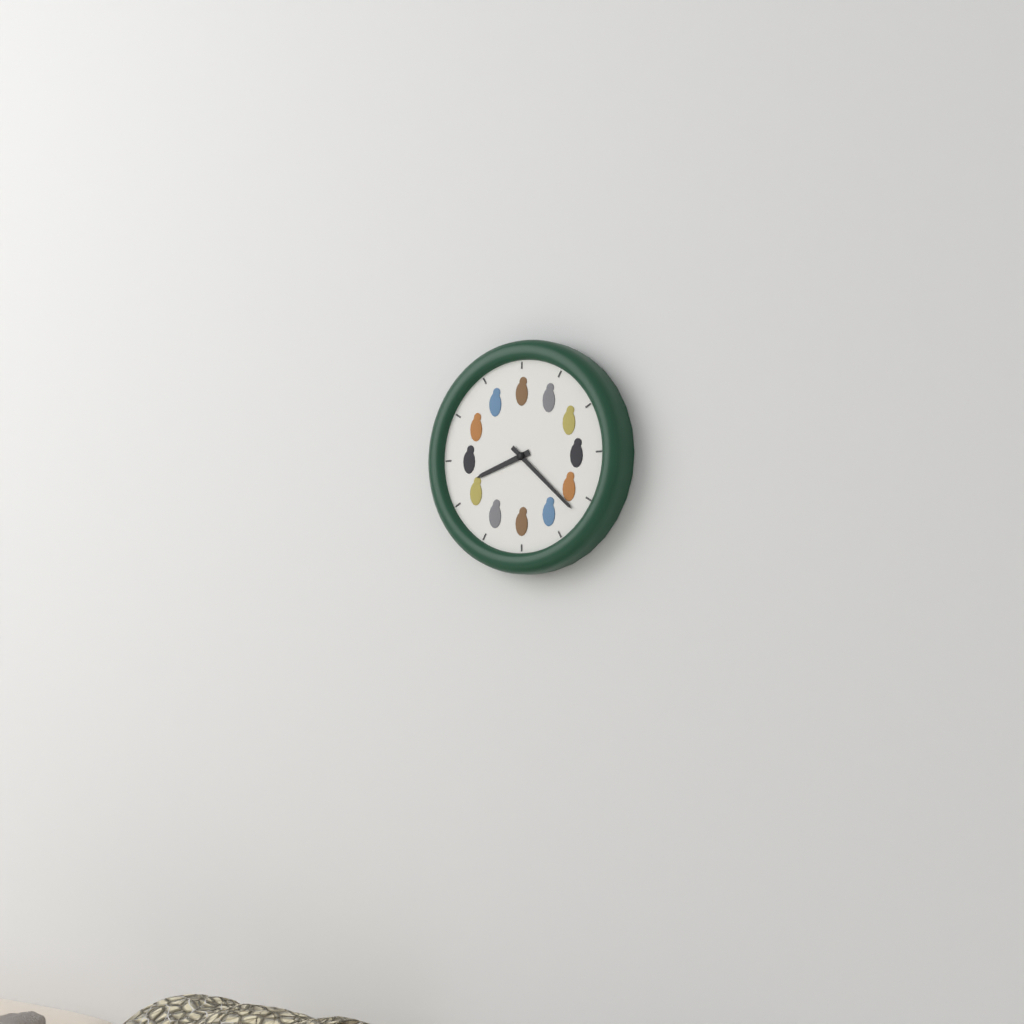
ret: 8:22
